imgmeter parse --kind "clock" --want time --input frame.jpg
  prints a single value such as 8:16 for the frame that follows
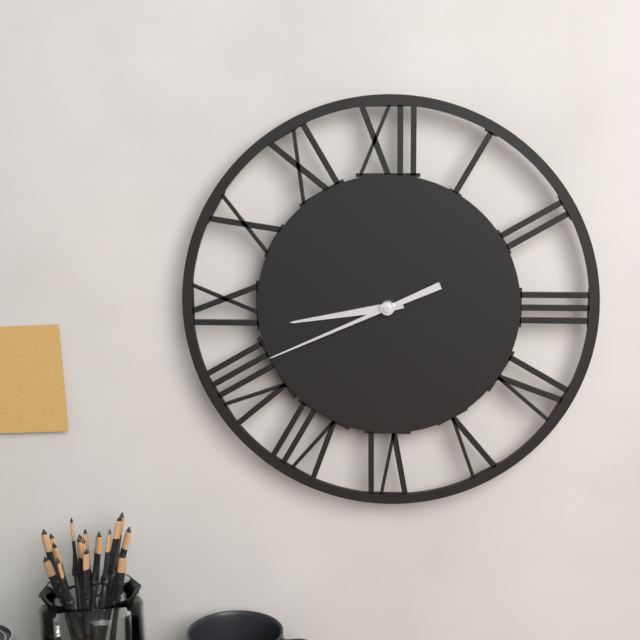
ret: 8:41
